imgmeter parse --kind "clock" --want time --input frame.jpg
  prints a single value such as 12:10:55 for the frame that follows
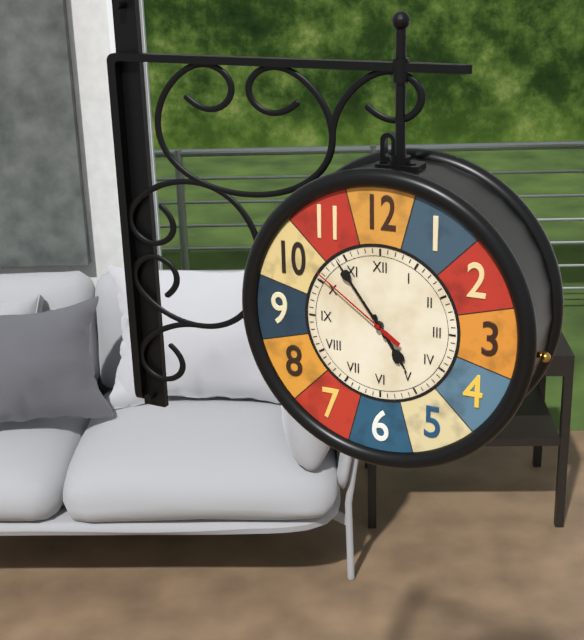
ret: 4:54:51
